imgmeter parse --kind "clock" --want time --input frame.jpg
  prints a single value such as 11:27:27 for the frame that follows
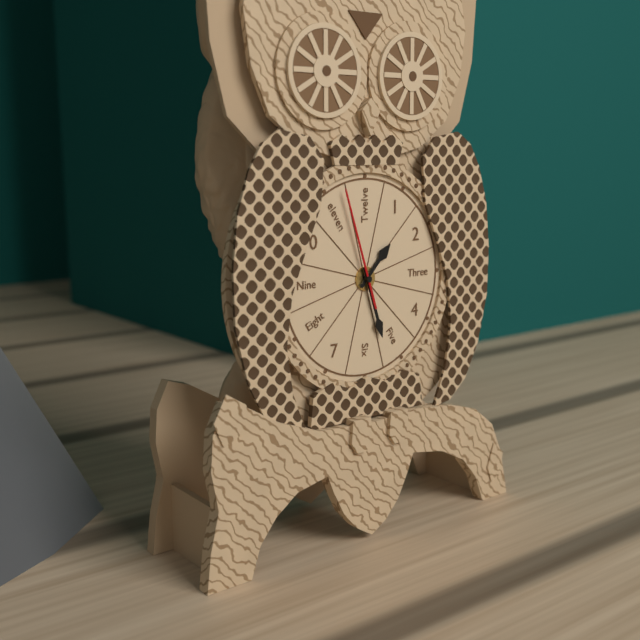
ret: 1:27:57
